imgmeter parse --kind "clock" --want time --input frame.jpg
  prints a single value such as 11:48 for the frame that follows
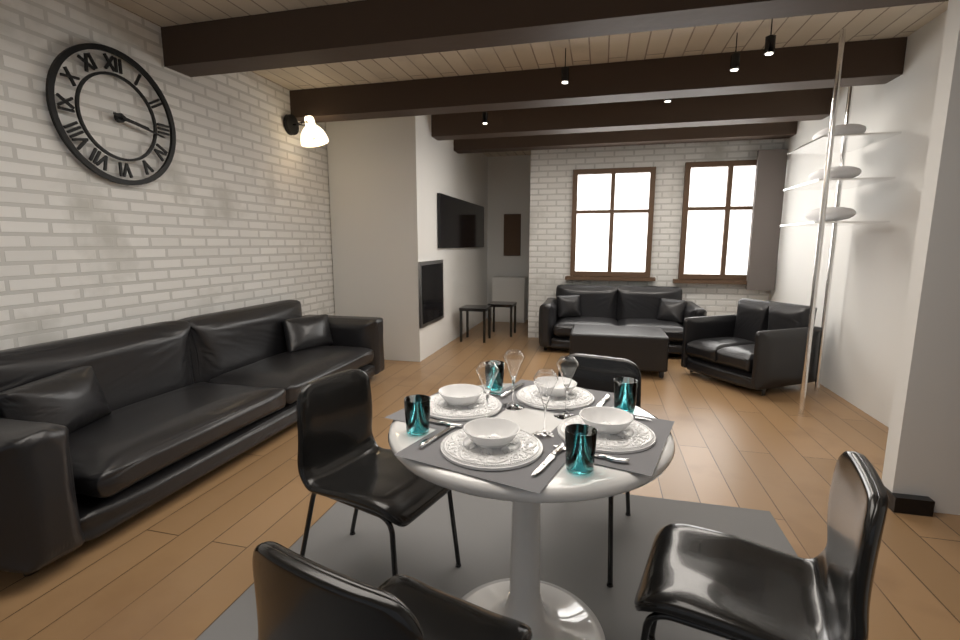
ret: 3:17
